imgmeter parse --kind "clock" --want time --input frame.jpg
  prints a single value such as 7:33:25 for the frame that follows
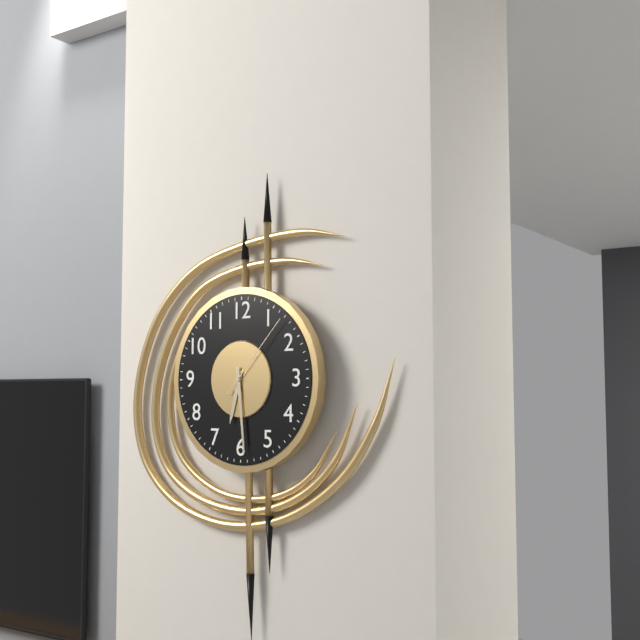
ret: 6:29:07
